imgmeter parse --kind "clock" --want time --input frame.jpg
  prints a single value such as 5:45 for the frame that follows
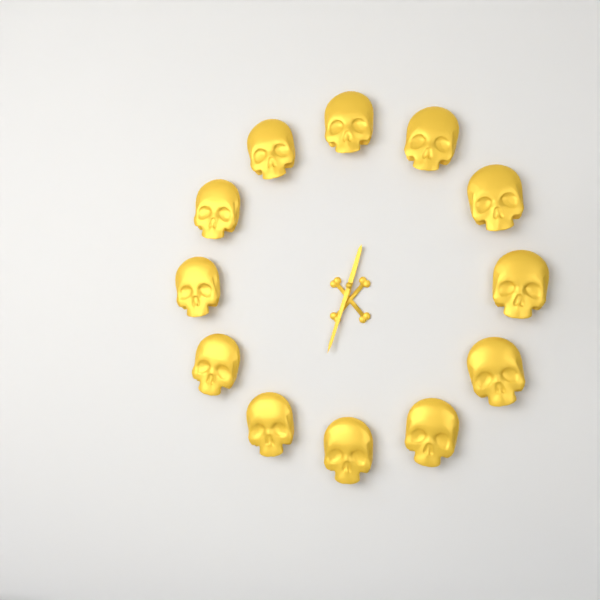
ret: 12:33
